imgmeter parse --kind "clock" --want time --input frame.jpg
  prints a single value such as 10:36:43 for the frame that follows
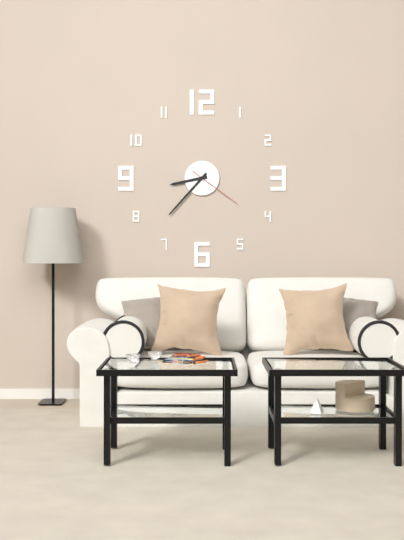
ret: 8:37:21
